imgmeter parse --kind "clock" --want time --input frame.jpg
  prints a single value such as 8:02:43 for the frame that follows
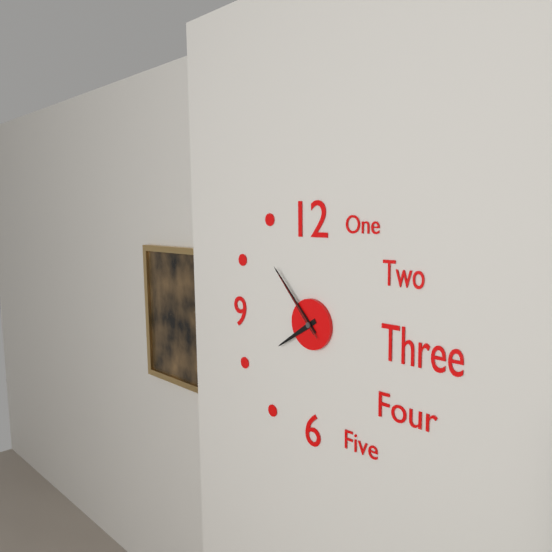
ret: 7:53:53
